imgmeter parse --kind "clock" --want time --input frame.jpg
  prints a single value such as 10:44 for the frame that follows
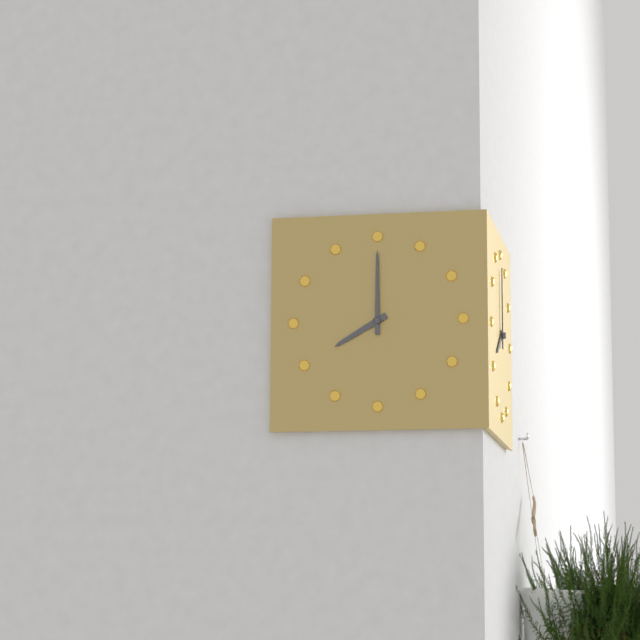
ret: 8:00
